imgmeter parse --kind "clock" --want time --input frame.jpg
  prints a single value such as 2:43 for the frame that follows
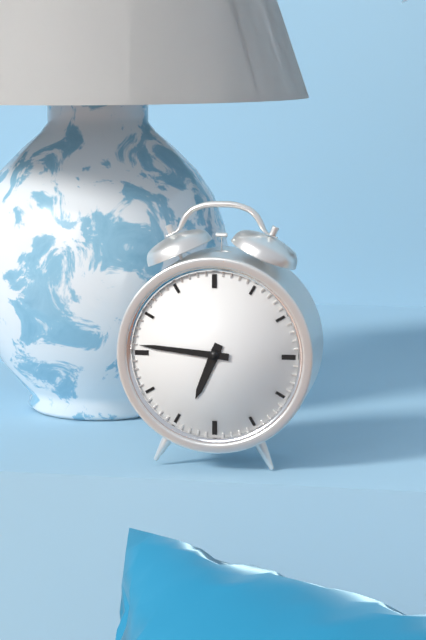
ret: 6:46
